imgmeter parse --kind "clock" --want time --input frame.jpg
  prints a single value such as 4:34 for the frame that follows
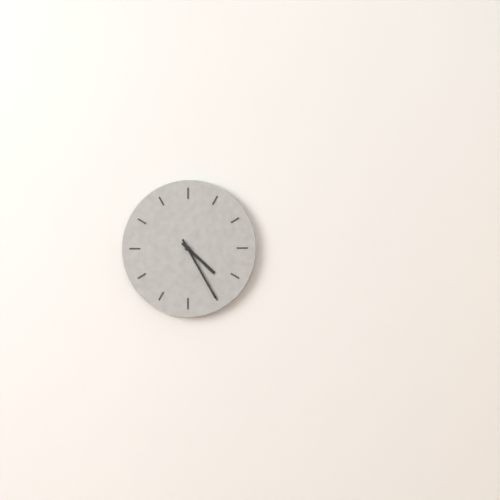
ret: 4:25
